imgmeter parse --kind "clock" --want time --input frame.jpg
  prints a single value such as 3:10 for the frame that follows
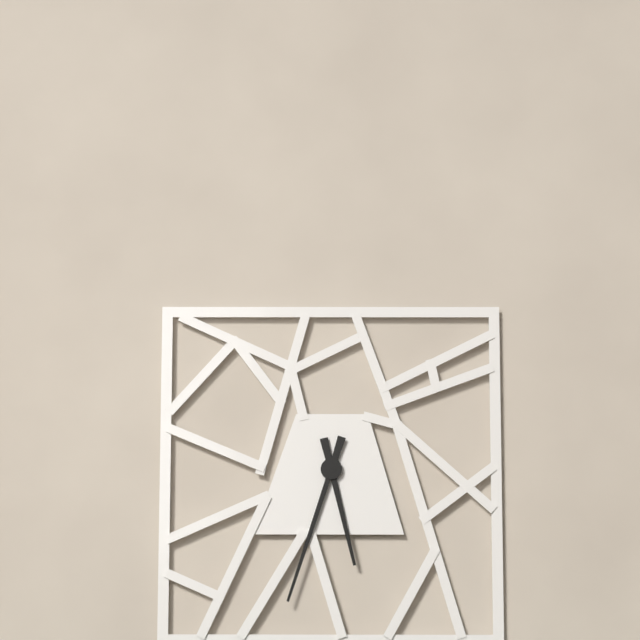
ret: 5:33
